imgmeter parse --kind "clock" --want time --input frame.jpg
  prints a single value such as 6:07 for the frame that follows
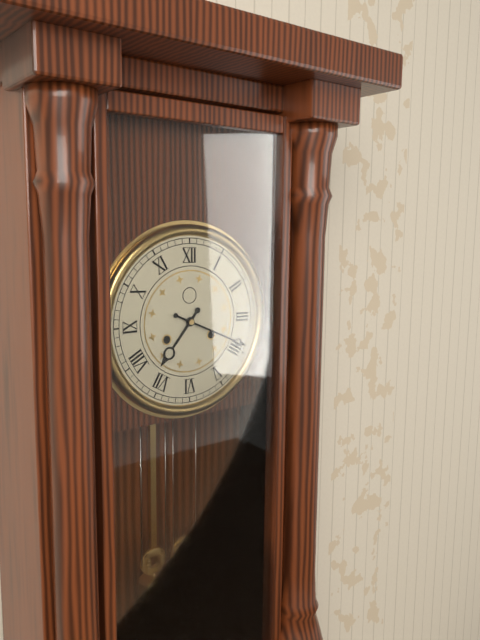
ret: 7:19
